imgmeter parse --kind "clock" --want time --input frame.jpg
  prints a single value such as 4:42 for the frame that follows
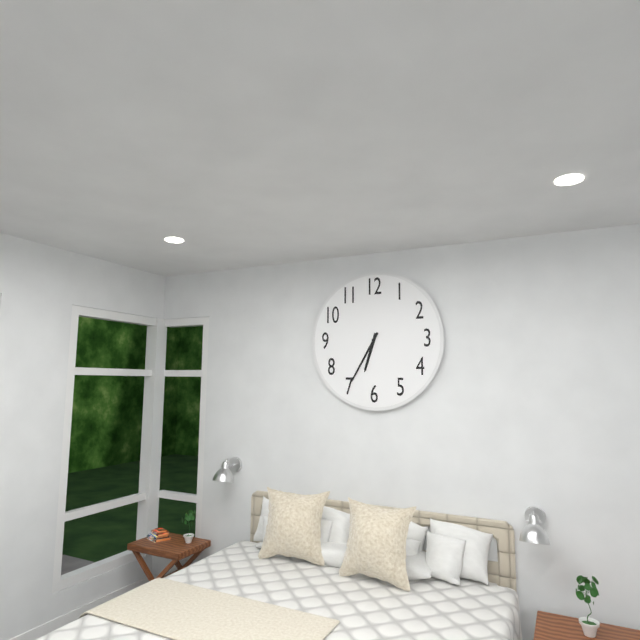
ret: 6:35
